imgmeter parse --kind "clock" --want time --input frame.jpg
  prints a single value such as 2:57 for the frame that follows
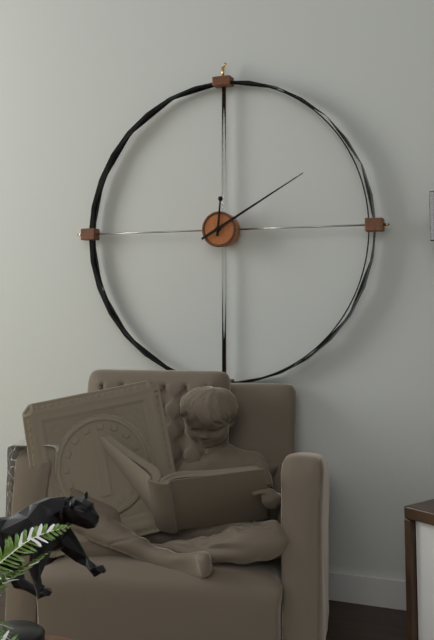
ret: 12:10
